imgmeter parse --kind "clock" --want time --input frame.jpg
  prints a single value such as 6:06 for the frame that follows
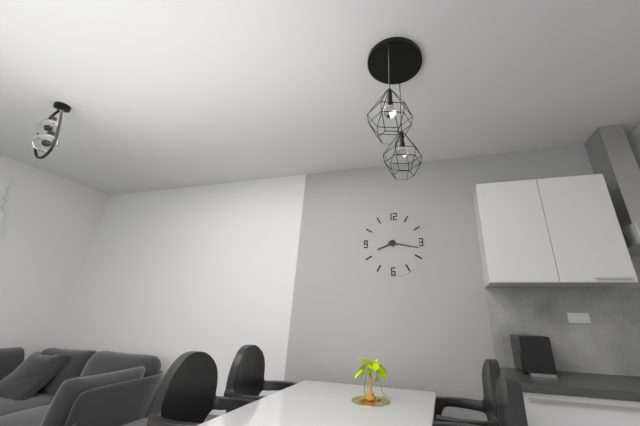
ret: 8:17
